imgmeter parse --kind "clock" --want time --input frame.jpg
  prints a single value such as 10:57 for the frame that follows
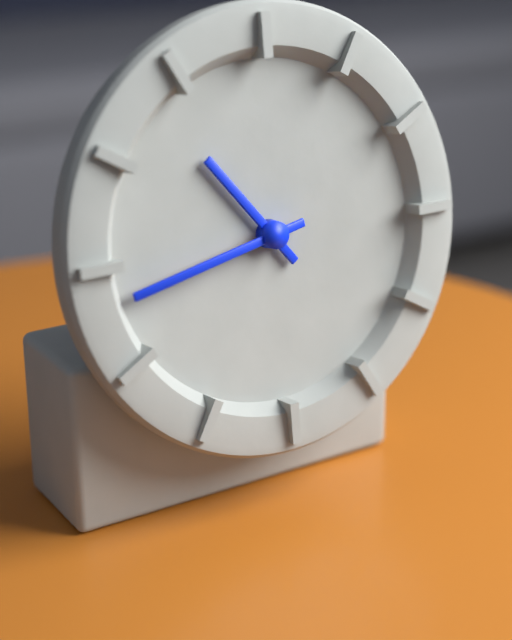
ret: 10:43
